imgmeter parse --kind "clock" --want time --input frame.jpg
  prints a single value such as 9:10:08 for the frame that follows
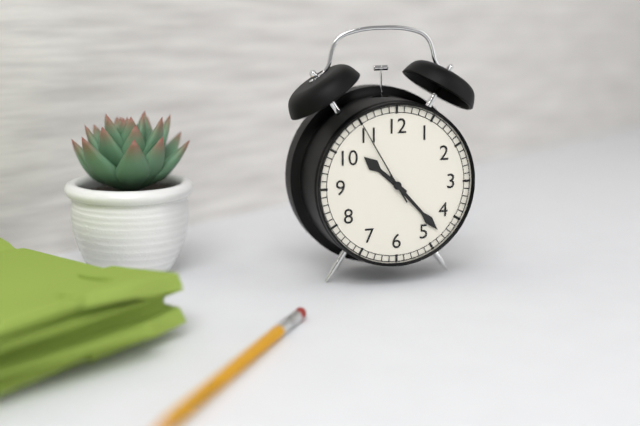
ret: 10:23:55
